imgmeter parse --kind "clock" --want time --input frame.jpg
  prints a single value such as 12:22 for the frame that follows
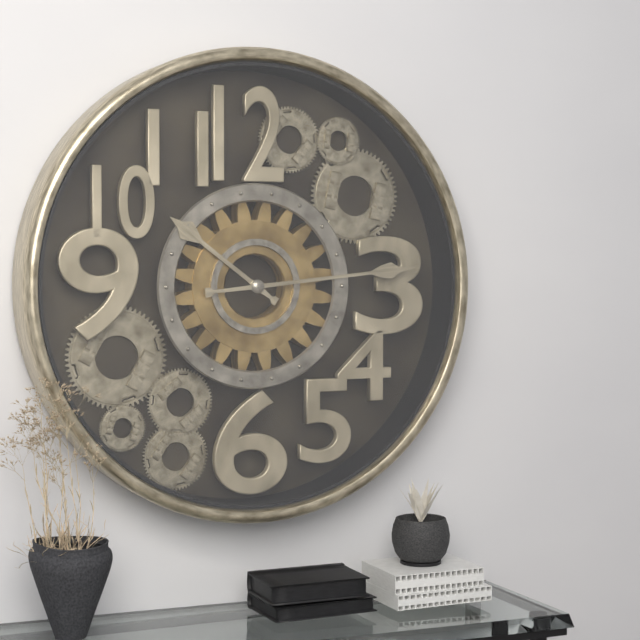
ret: 10:14
